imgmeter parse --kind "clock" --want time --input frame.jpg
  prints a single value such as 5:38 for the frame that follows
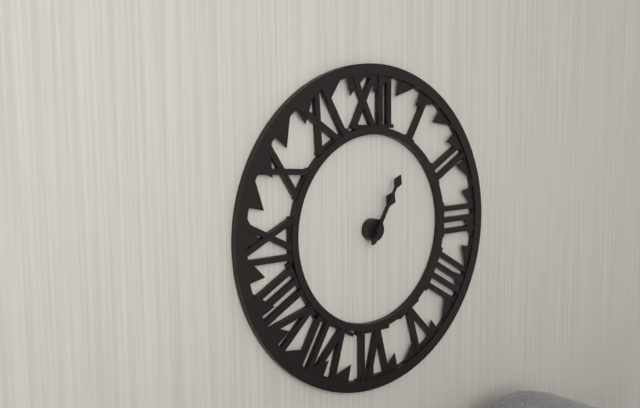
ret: 1:05
